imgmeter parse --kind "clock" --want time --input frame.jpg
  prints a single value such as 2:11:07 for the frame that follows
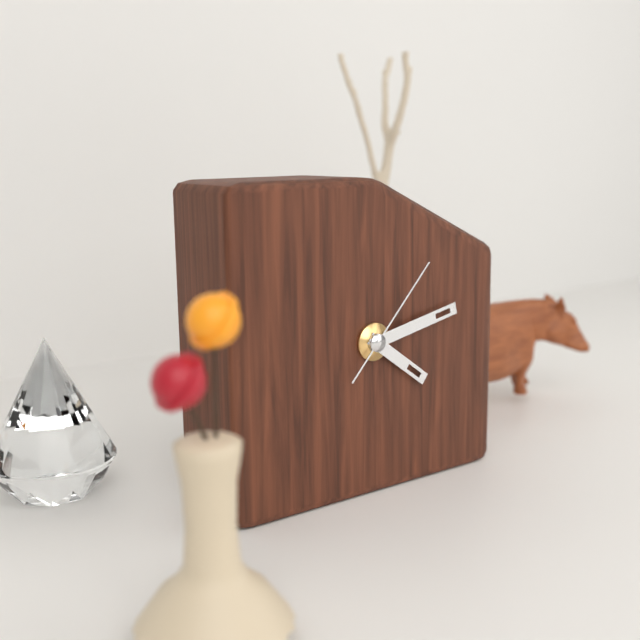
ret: 4:13:07
